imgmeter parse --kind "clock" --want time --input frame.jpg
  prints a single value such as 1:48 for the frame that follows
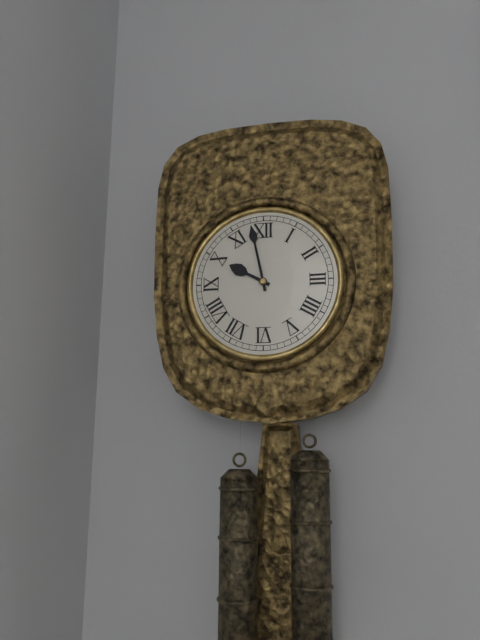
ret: 9:58
